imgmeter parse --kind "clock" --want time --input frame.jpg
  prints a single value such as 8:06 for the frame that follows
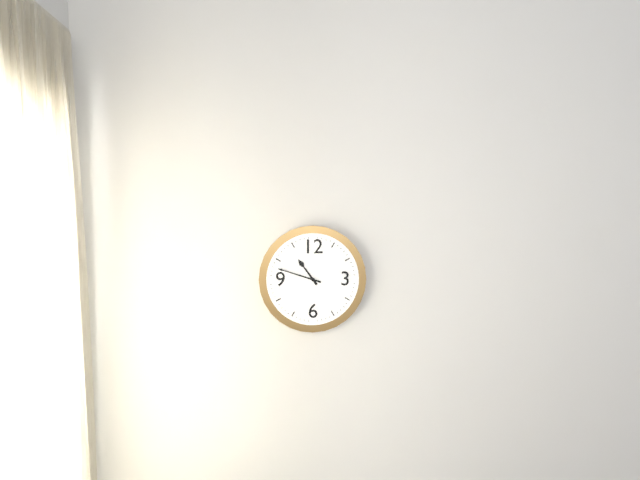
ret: 10:48
